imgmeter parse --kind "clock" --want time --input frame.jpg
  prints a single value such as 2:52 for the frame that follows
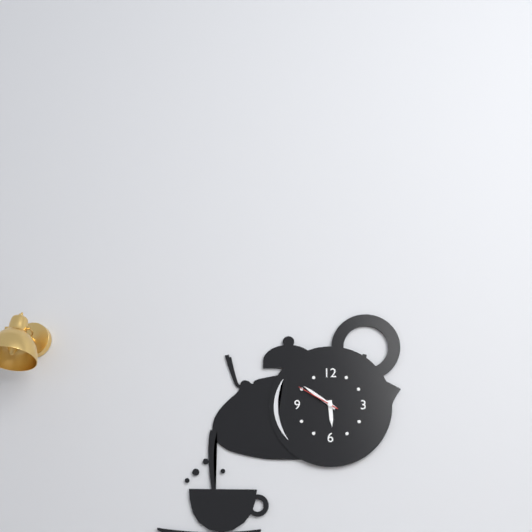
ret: 5:51
